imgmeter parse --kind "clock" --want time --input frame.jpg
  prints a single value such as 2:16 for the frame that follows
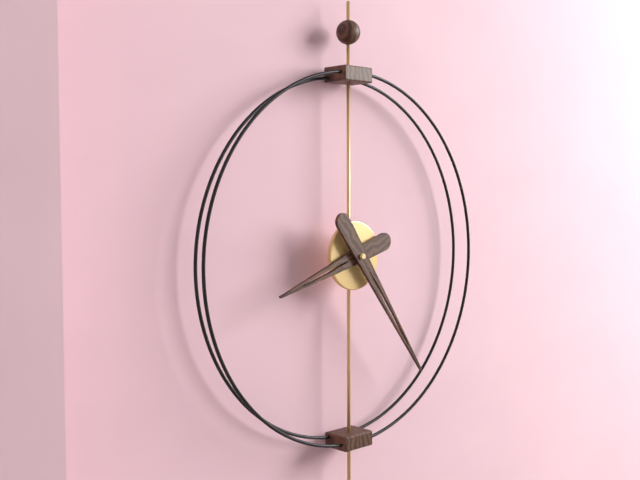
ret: 8:24
